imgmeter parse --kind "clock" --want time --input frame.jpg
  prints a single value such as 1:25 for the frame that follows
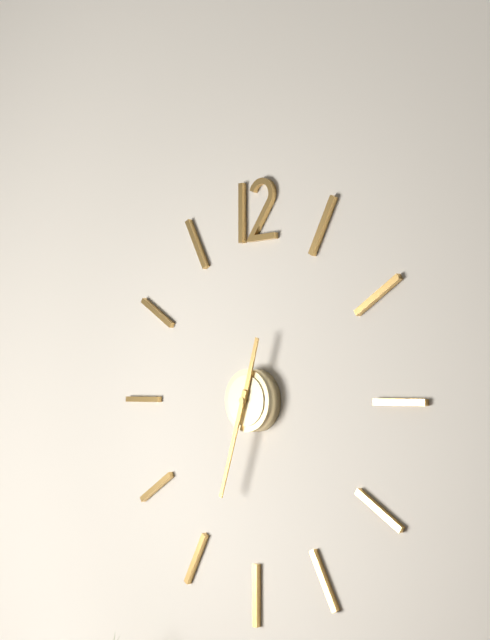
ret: 12:33
